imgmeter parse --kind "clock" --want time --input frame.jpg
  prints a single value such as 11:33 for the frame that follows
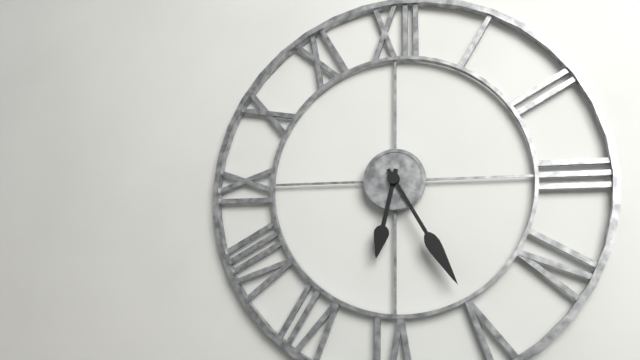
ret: 6:25
